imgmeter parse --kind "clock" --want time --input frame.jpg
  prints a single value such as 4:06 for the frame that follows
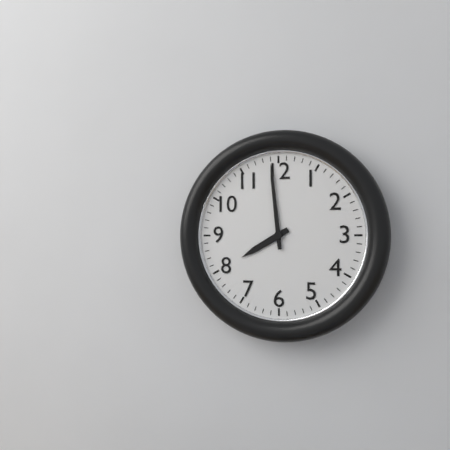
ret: 7:59
